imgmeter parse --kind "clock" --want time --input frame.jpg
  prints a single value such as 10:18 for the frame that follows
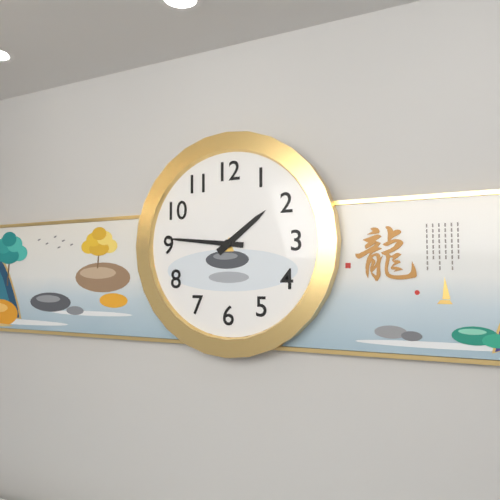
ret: 1:46
